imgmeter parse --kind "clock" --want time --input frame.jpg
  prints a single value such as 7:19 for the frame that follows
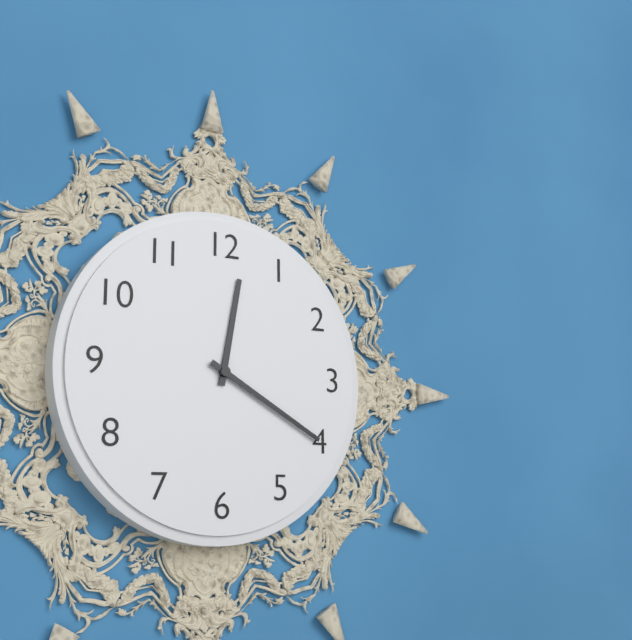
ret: 12:20
